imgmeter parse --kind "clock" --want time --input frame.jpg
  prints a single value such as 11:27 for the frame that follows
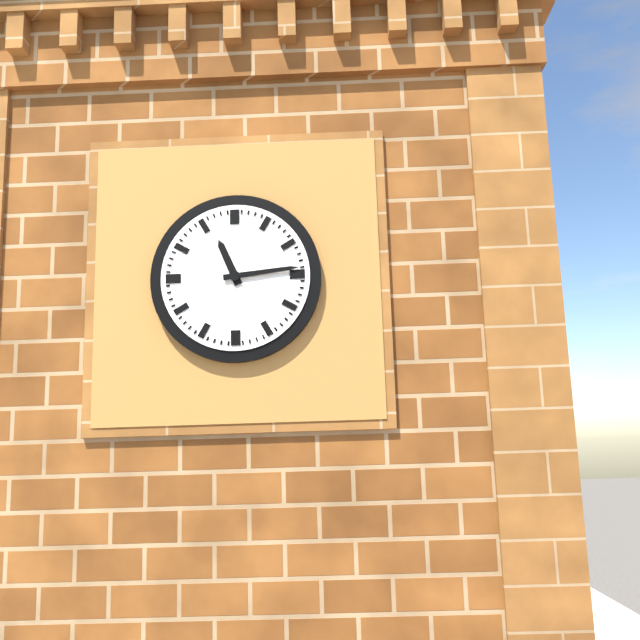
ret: 11:14
